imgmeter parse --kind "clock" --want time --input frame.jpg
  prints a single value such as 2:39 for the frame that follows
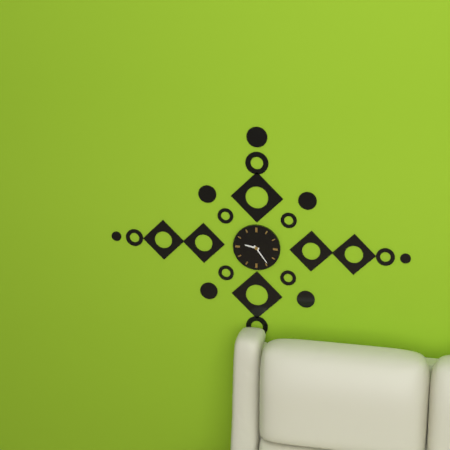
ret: 9:24
